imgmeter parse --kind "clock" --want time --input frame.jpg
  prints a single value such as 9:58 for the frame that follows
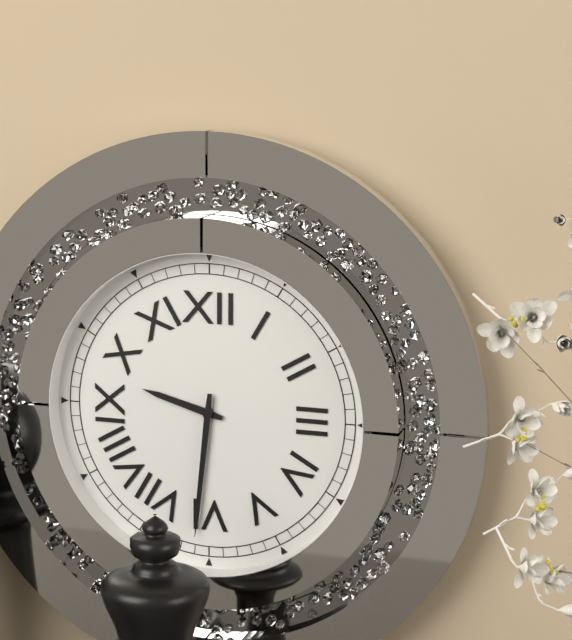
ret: 9:31
